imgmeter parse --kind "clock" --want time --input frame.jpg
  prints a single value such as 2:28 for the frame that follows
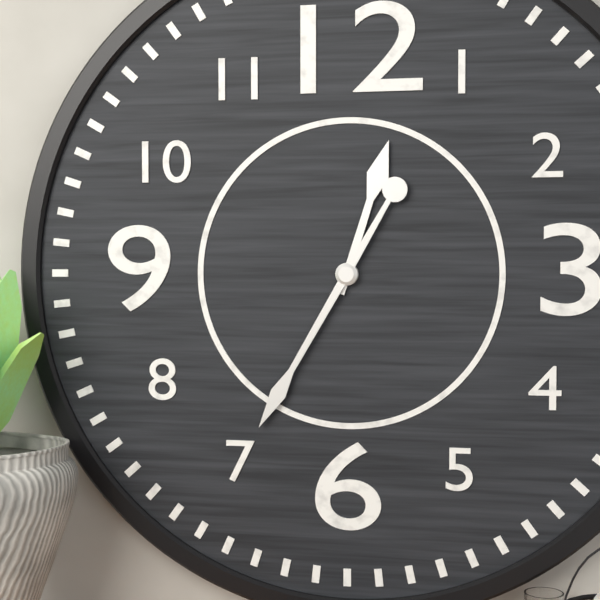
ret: 12:35
